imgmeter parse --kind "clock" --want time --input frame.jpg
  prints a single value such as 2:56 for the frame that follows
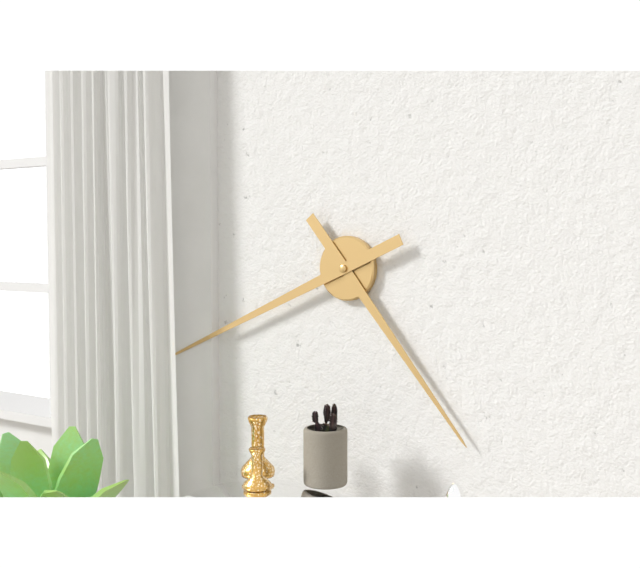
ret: 4:41
